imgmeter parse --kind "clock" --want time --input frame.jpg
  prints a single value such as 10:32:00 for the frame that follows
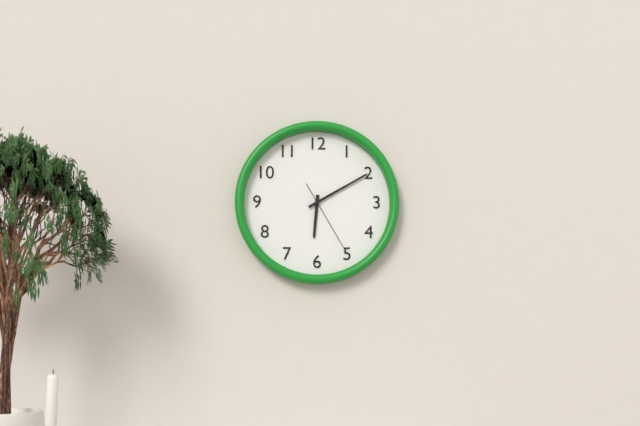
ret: 6:10:25
